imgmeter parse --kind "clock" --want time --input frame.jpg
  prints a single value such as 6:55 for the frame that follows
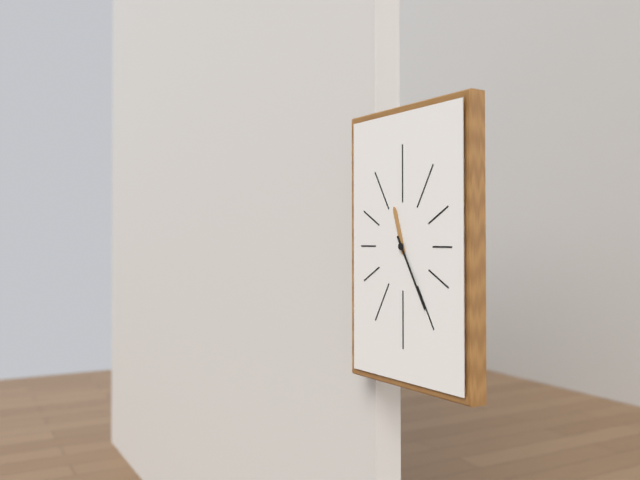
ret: 11:25
